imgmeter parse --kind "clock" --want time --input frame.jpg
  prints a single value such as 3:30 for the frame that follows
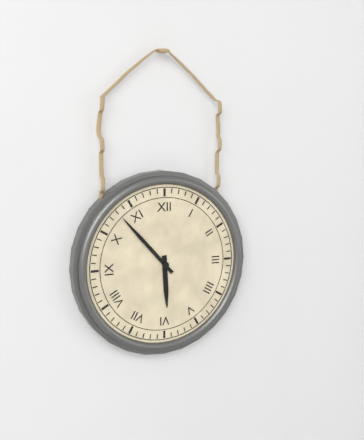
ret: 5:53
